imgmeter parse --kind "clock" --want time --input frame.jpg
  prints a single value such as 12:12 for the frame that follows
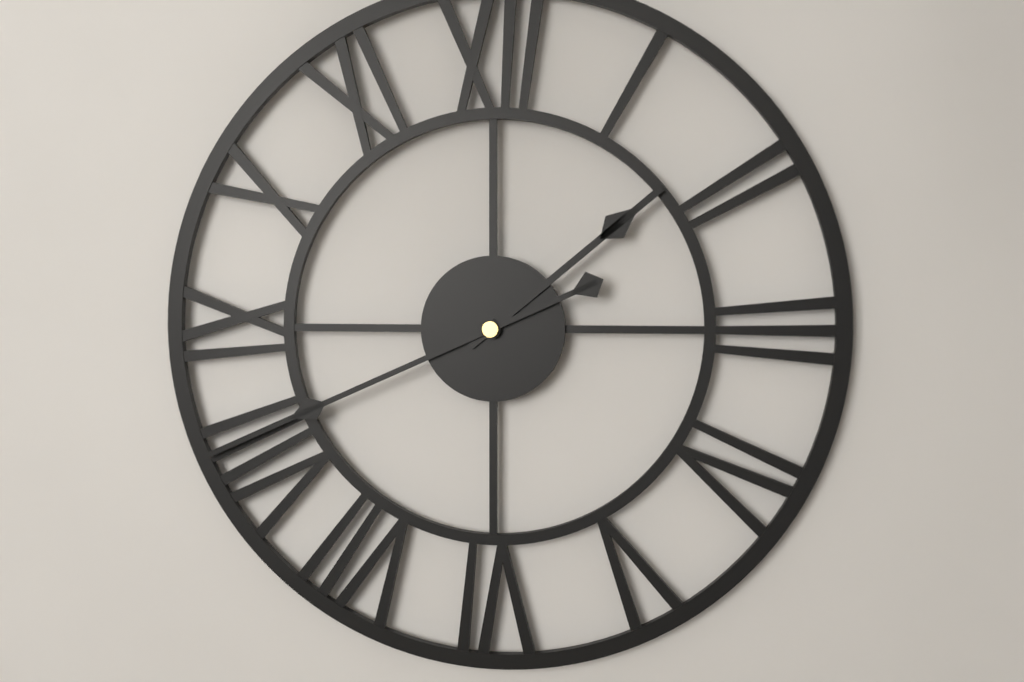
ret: 1:41
